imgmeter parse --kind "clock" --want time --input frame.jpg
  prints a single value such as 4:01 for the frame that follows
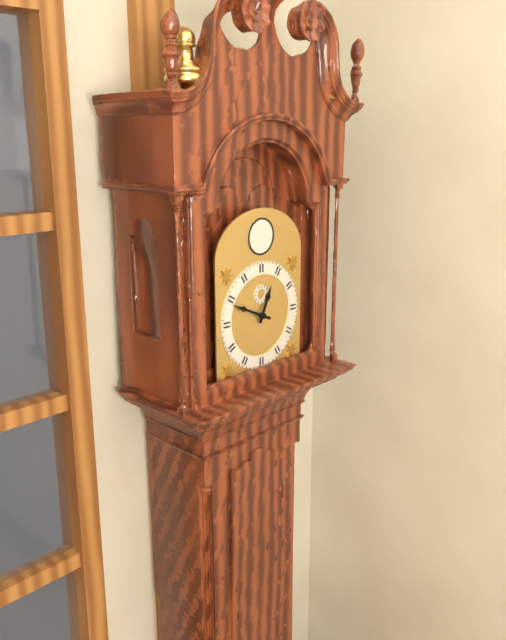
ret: 12:49
